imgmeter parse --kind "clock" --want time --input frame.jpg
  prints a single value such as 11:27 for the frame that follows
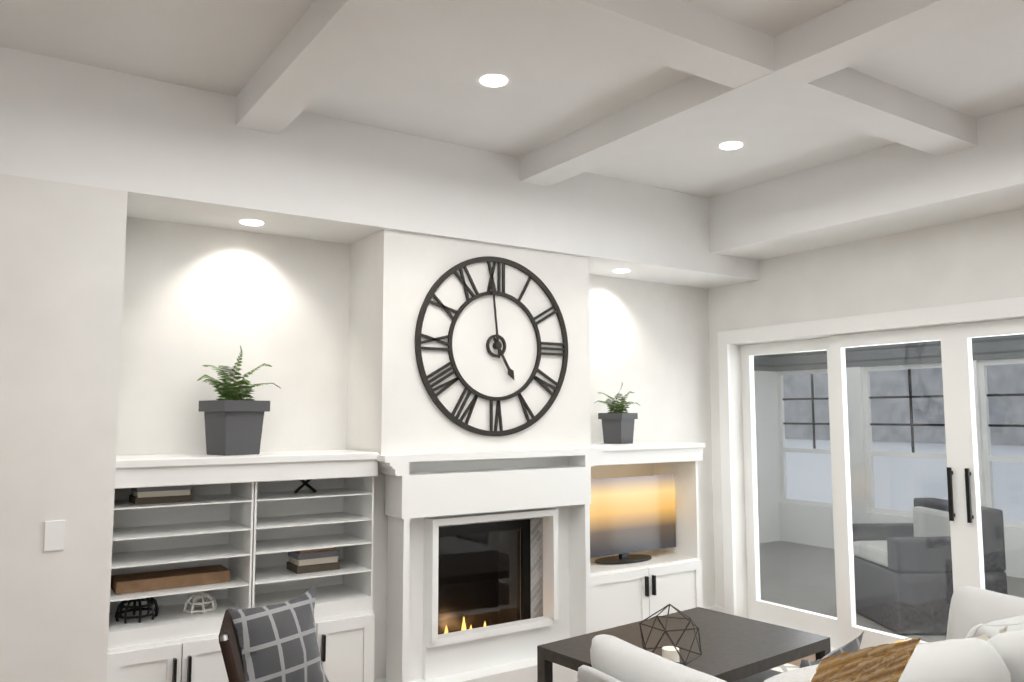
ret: 4:59
